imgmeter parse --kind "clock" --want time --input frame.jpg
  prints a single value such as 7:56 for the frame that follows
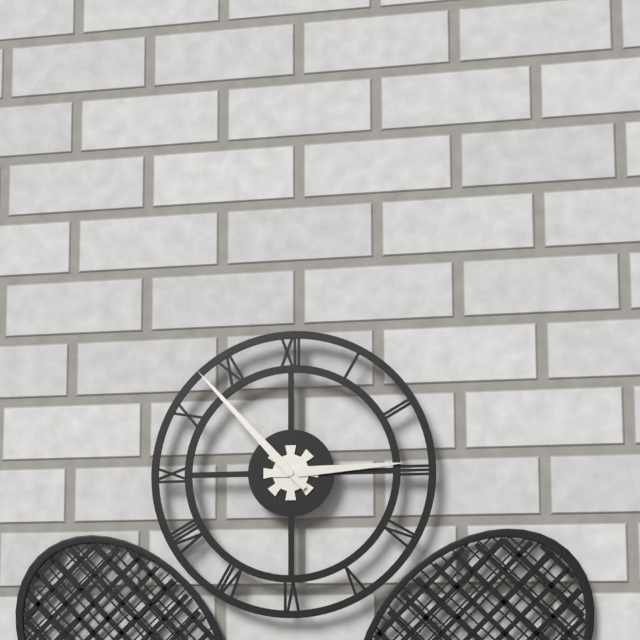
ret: 2:53
